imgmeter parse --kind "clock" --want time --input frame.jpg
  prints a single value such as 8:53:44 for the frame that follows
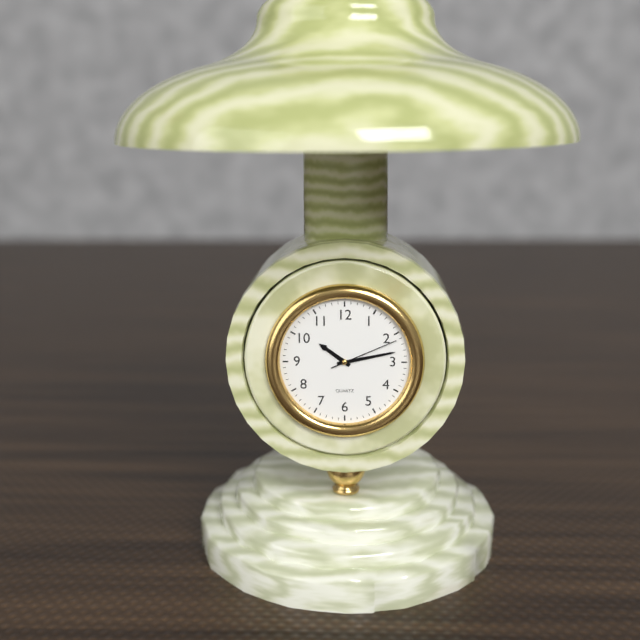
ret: 10:13:11
